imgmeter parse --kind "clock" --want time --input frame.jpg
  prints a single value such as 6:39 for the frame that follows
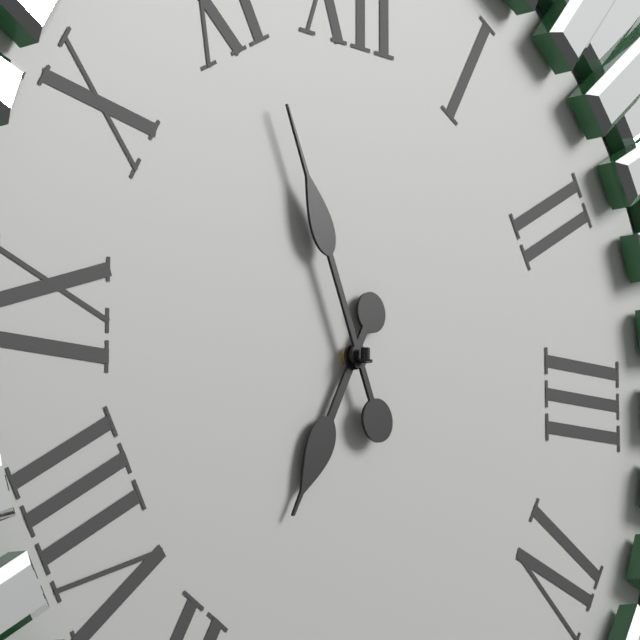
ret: 6:56
